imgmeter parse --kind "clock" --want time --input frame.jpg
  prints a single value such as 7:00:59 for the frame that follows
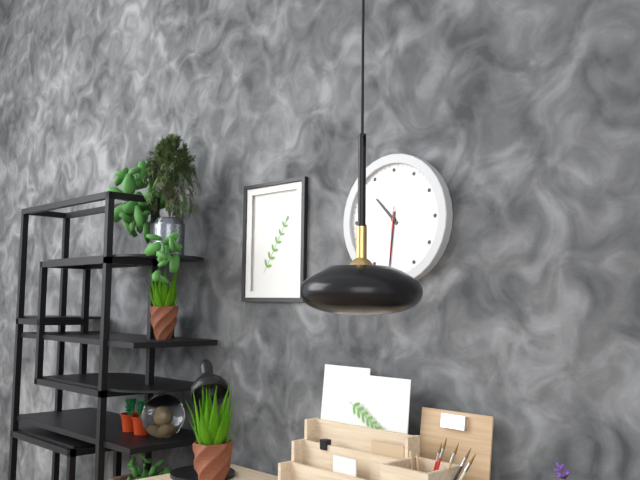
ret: 10:31:31
